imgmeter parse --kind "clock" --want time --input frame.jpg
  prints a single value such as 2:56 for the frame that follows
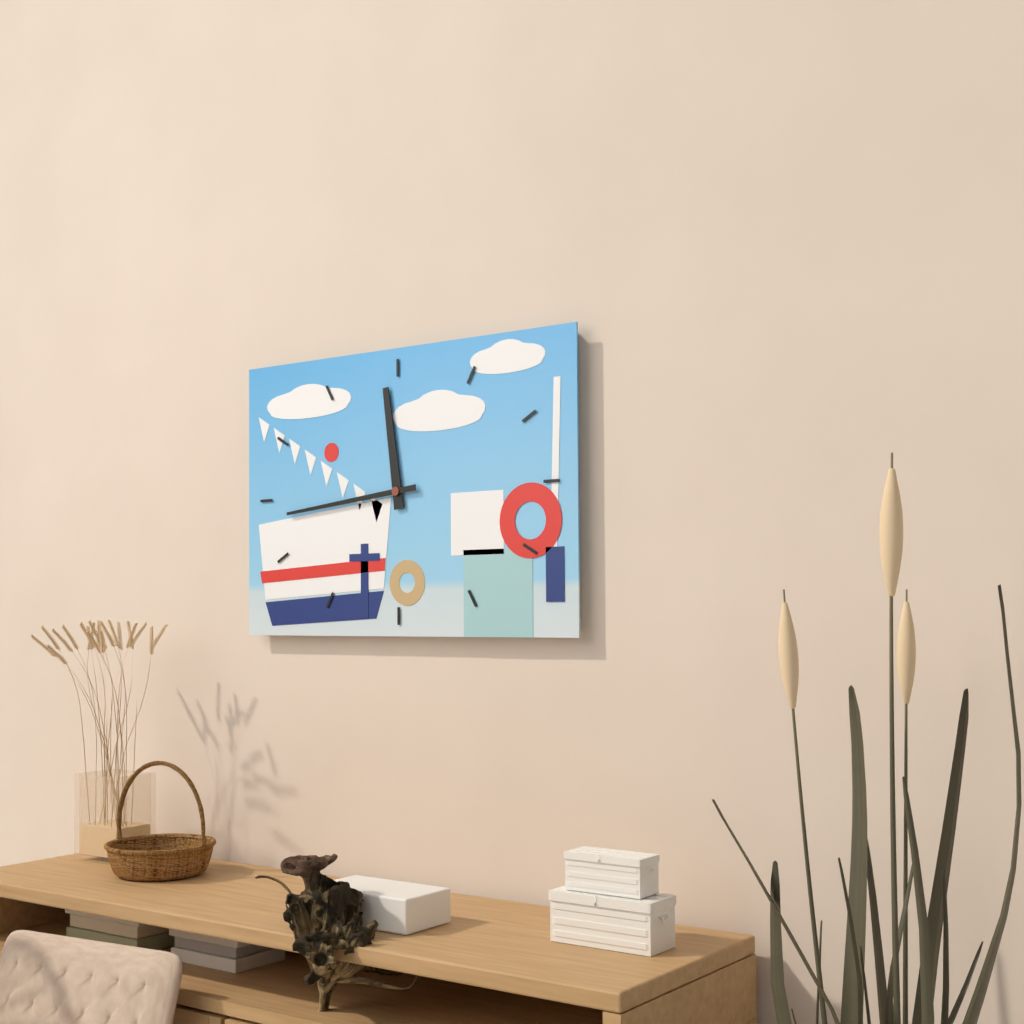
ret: 11:44
